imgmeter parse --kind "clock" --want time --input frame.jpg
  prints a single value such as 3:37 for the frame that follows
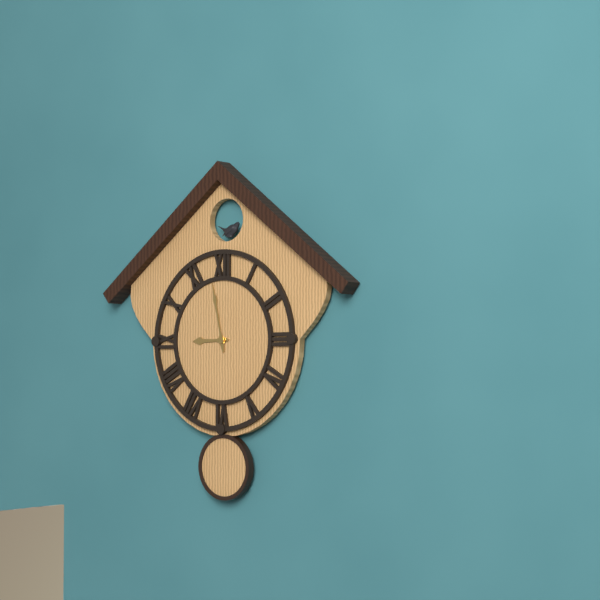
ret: 8:58
